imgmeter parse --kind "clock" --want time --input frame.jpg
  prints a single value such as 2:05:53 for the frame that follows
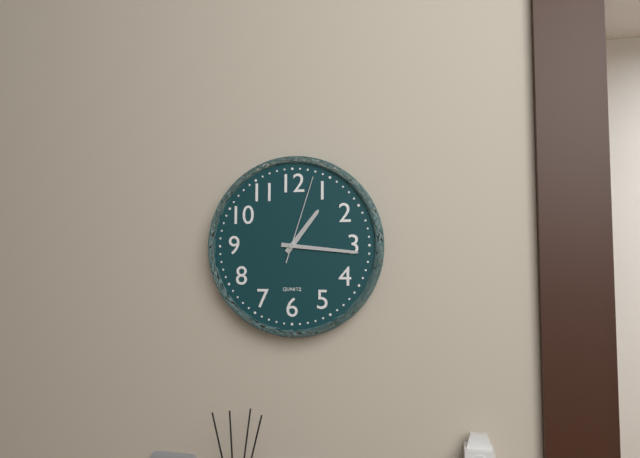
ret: 1:16:03
